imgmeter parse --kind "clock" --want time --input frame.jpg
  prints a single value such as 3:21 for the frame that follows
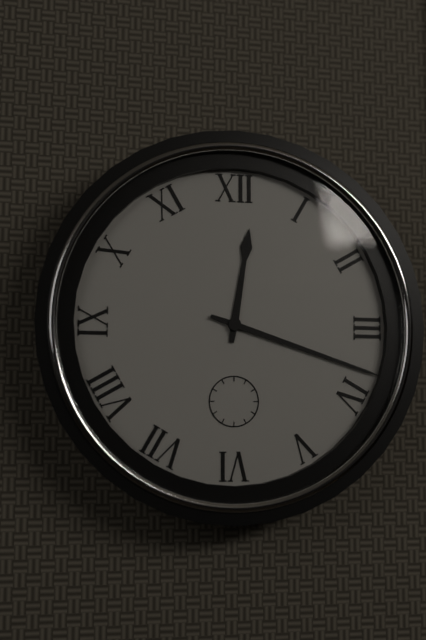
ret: 12:18
